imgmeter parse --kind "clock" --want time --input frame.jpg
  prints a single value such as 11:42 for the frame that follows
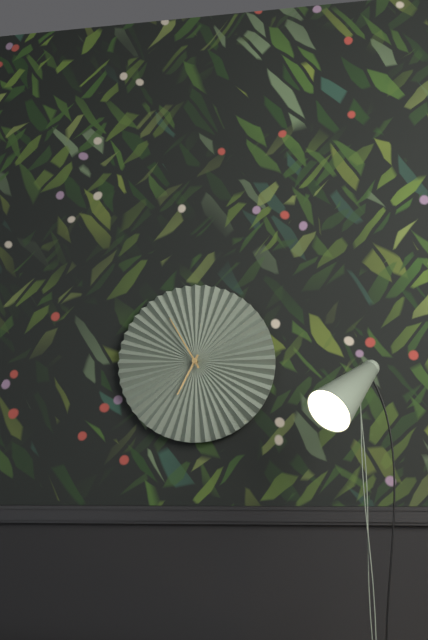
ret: 6:55
